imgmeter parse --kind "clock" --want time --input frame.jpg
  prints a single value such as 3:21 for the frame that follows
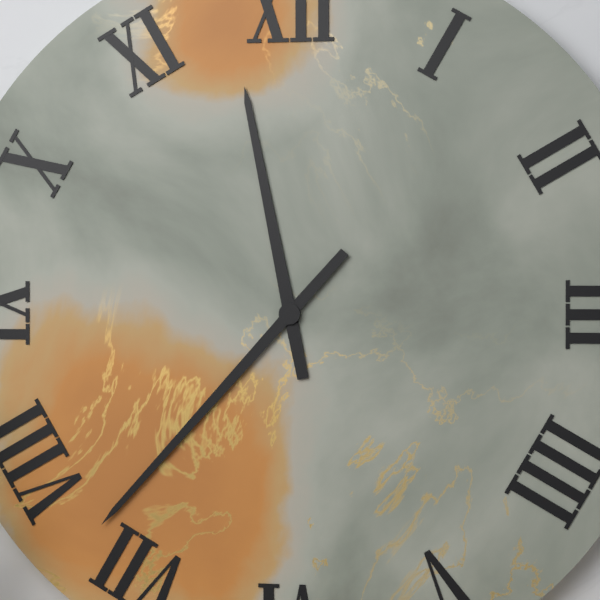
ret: 11:37
